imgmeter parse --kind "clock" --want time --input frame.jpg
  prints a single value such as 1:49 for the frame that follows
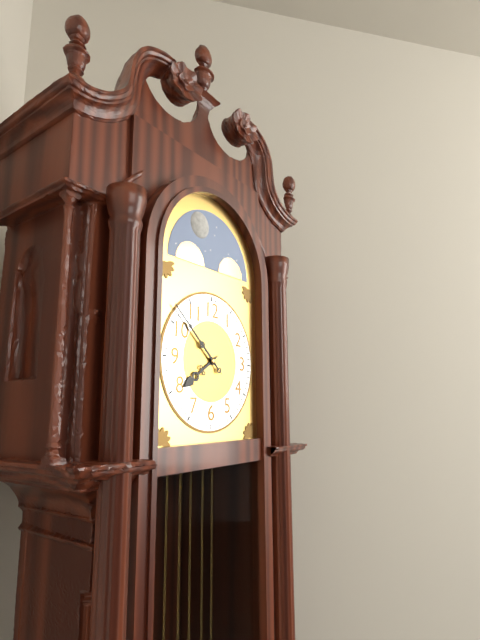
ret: 7:52
